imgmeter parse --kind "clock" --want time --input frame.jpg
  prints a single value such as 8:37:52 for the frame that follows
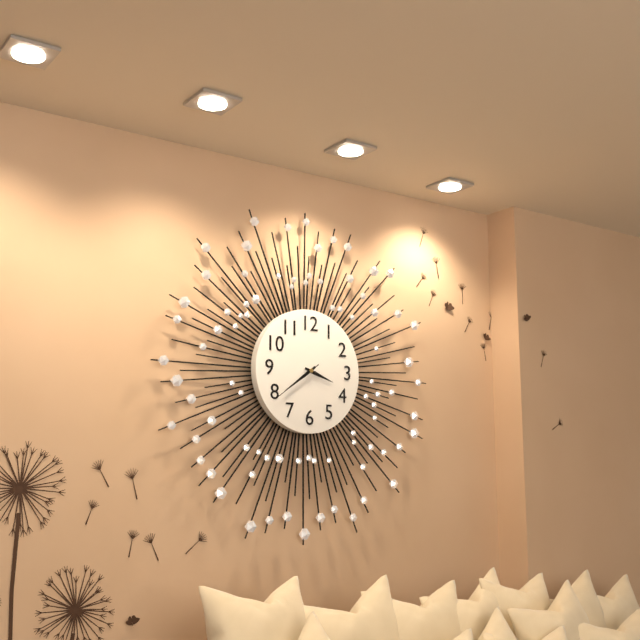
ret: 3:39:39
